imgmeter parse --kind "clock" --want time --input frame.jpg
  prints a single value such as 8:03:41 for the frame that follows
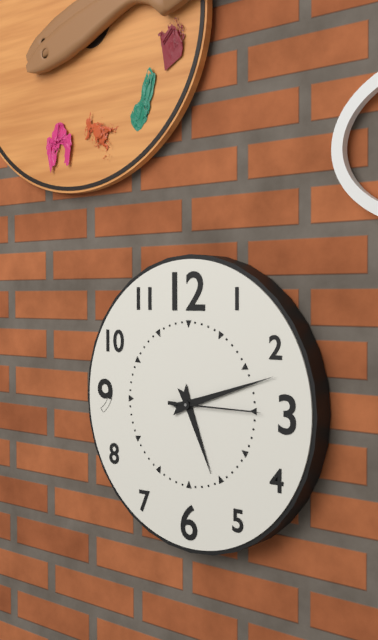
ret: 5:12:15
